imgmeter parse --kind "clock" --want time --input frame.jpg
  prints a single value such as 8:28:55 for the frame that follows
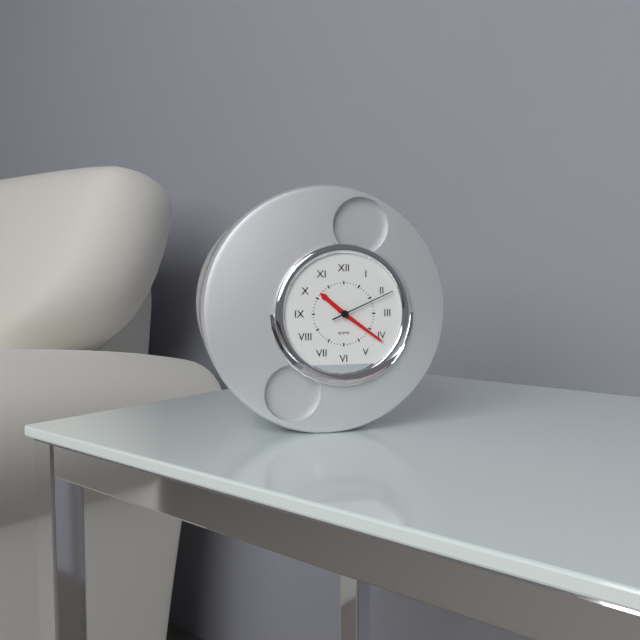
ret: 10:21:11
